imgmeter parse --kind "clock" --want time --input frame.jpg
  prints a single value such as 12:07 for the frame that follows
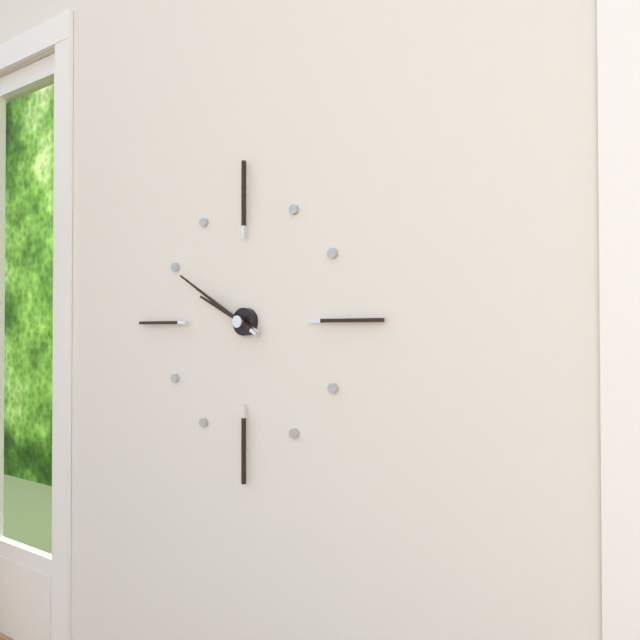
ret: 9:50
